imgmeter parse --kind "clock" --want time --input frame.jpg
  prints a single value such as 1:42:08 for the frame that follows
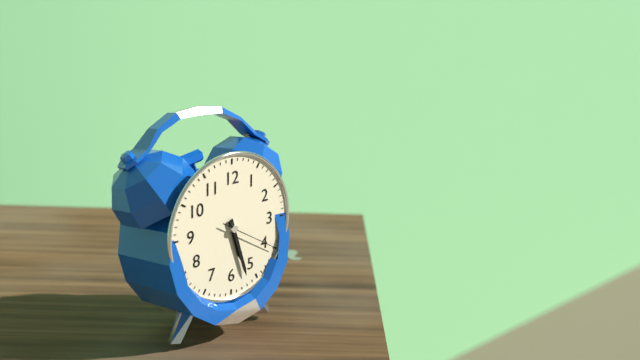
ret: 5:27:20
